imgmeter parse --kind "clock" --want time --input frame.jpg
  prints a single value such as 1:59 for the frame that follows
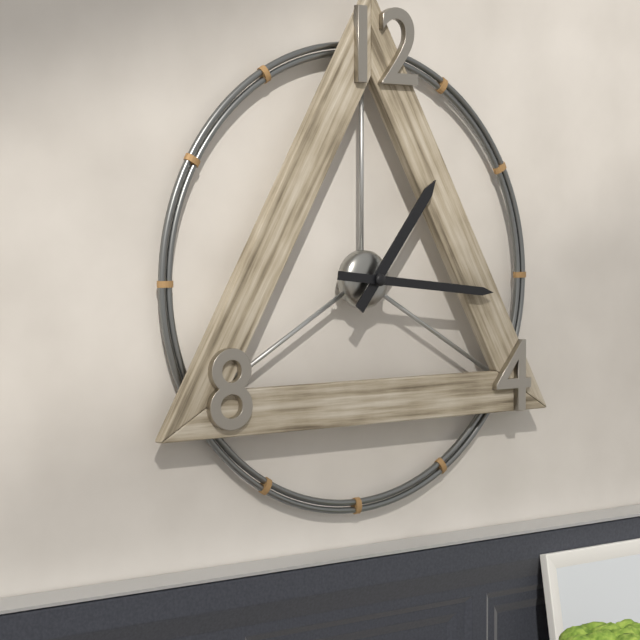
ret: 1:16
